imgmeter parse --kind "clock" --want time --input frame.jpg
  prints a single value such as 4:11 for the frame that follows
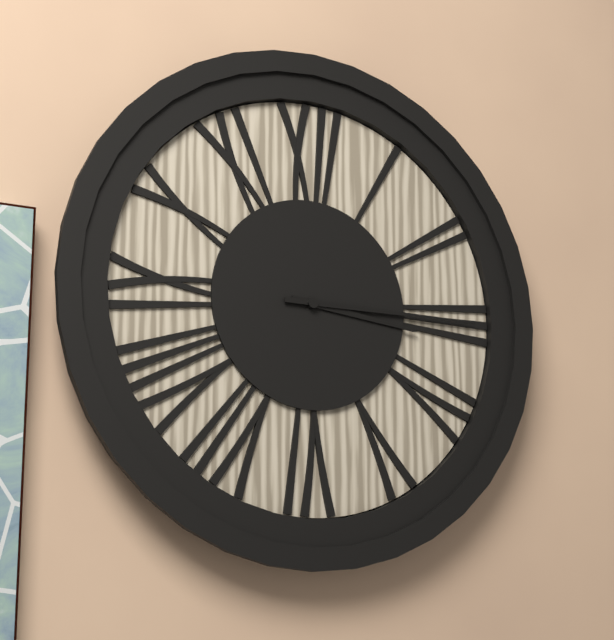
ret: 3:15
